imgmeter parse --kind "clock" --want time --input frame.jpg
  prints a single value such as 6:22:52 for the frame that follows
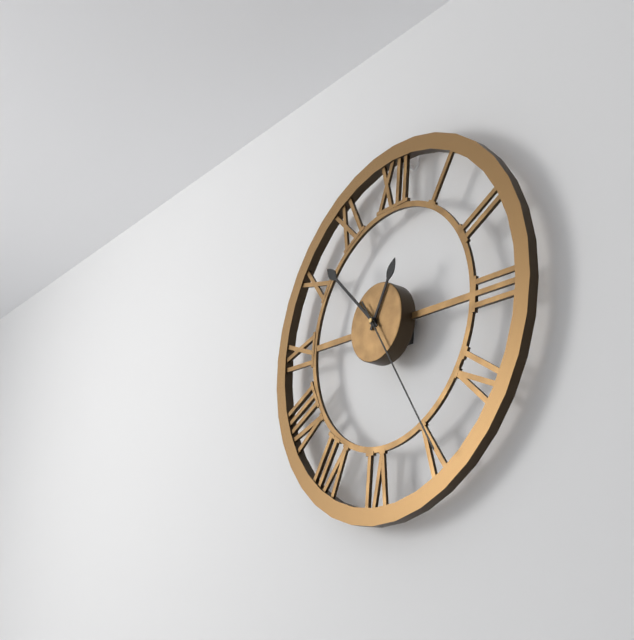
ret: 12:52:24
